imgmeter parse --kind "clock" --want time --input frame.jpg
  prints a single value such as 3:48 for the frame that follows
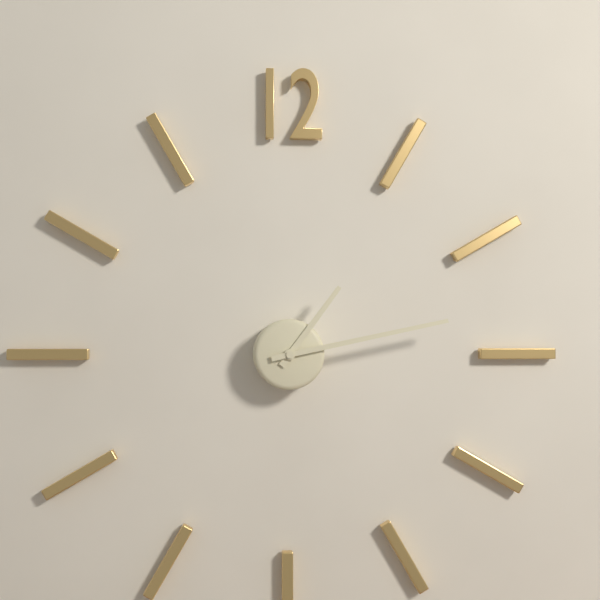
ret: 1:13
